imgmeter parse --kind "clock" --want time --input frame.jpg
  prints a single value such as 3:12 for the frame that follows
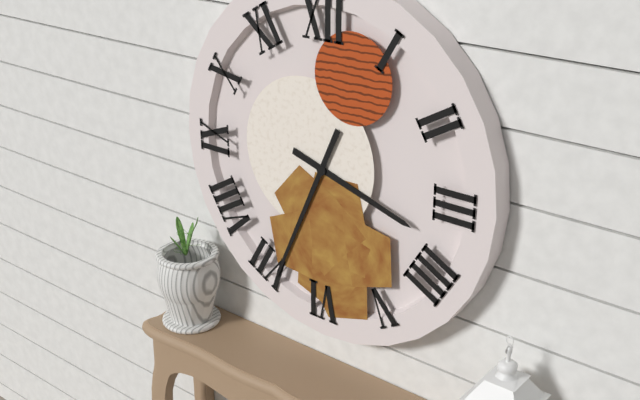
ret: 3:34
